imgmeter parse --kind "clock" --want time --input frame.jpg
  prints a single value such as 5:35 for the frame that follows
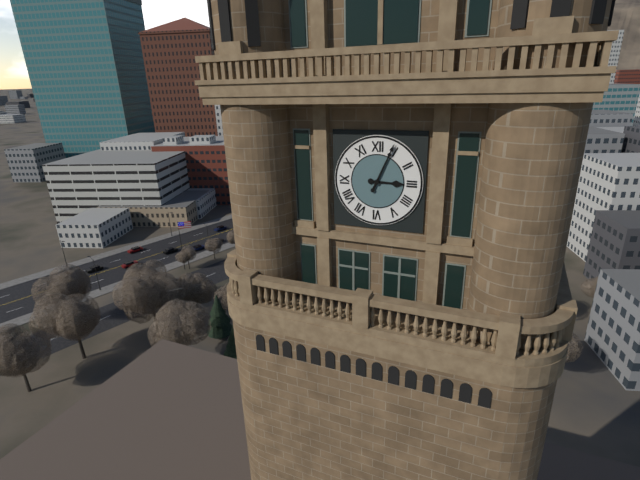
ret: 3:04
